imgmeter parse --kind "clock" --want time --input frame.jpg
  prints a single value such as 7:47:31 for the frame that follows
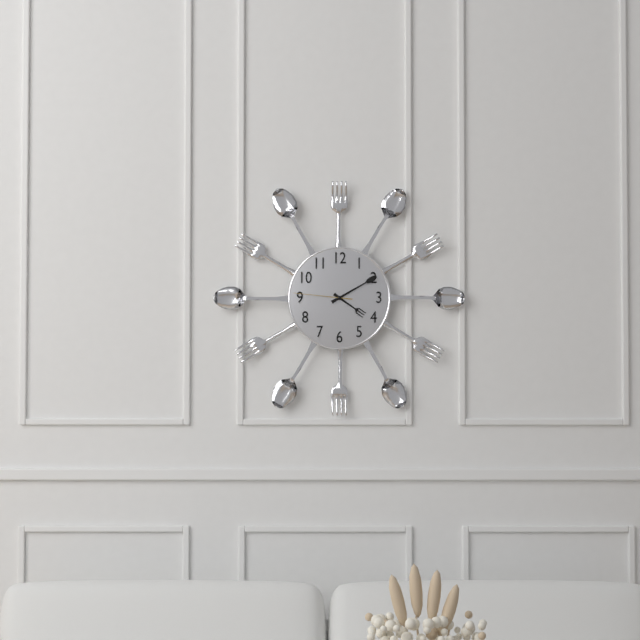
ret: 4:10:46
